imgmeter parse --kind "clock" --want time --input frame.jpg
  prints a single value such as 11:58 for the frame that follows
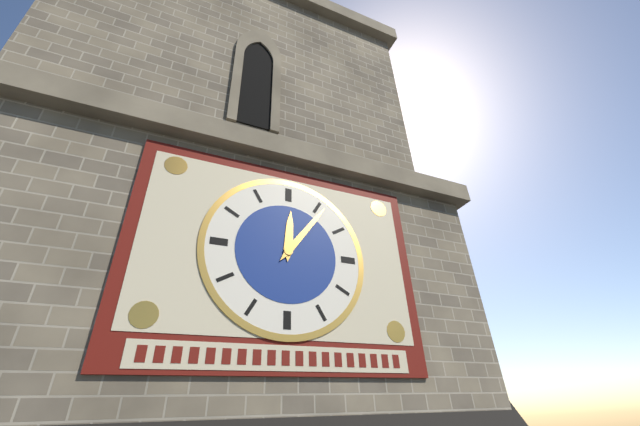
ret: 12:06
